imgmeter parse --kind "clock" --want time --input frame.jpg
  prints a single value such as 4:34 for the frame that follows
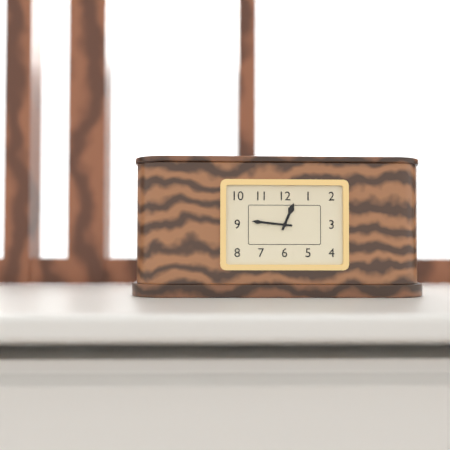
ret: 12:46
